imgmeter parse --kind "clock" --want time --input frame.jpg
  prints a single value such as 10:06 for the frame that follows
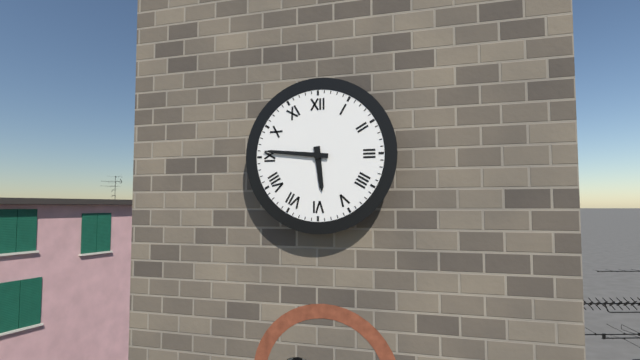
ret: 5:46
